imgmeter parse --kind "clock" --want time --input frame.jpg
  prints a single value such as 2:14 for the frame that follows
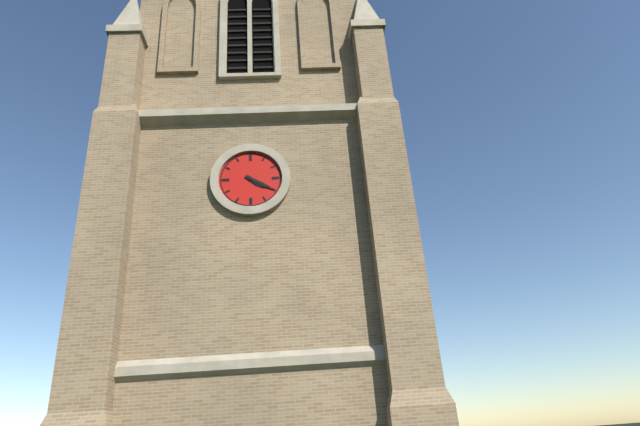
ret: 4:20
